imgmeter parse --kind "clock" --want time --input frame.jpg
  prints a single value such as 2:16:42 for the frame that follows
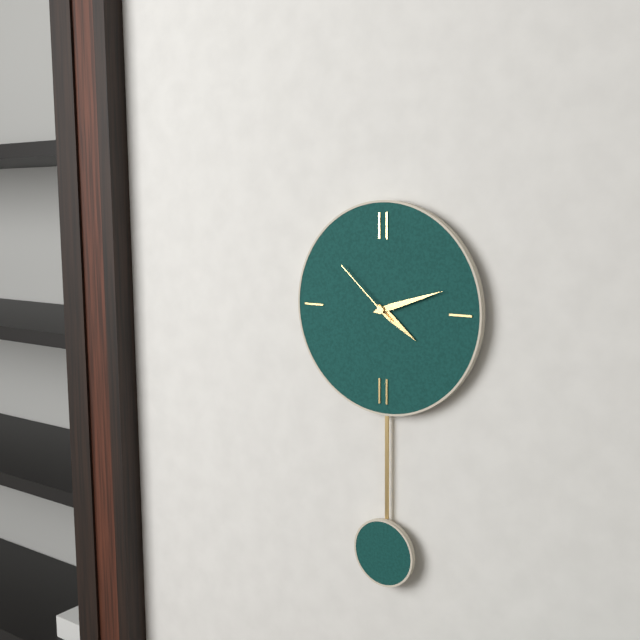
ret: 4:12:52
